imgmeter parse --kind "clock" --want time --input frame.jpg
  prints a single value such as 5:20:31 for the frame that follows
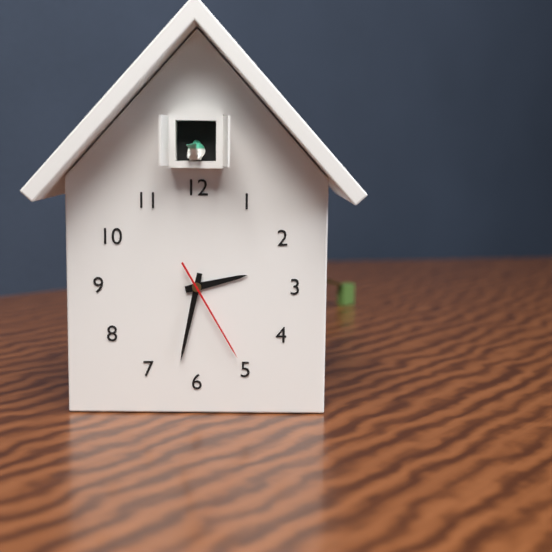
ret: 2:32:25
